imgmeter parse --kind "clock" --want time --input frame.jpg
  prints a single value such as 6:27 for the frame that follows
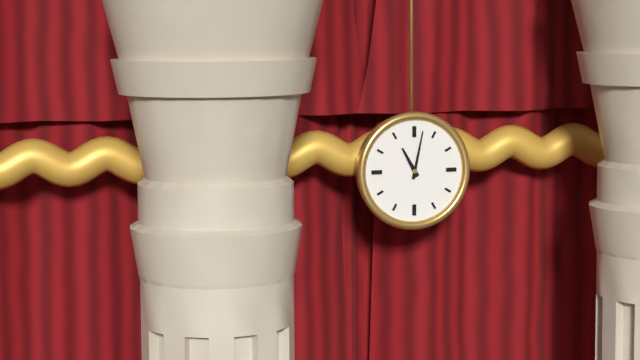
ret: 11:02
